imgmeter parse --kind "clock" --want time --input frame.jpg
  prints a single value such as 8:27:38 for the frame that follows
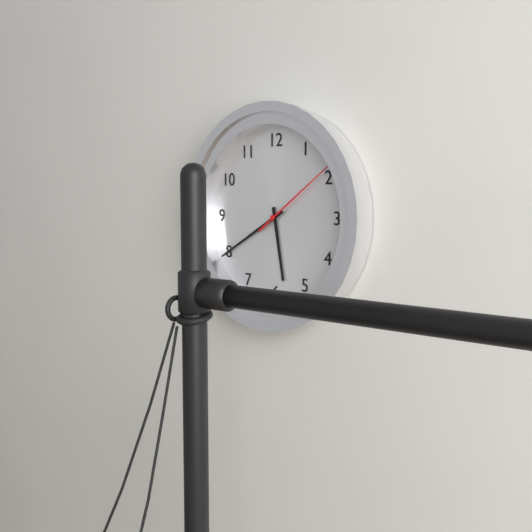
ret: 5:40:09
